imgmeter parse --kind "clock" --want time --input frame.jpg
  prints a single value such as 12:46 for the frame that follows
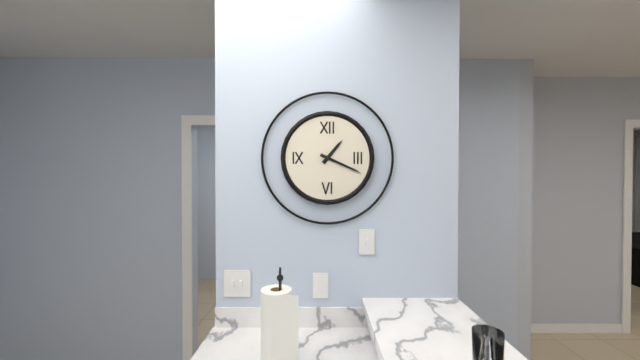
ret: 1:19
